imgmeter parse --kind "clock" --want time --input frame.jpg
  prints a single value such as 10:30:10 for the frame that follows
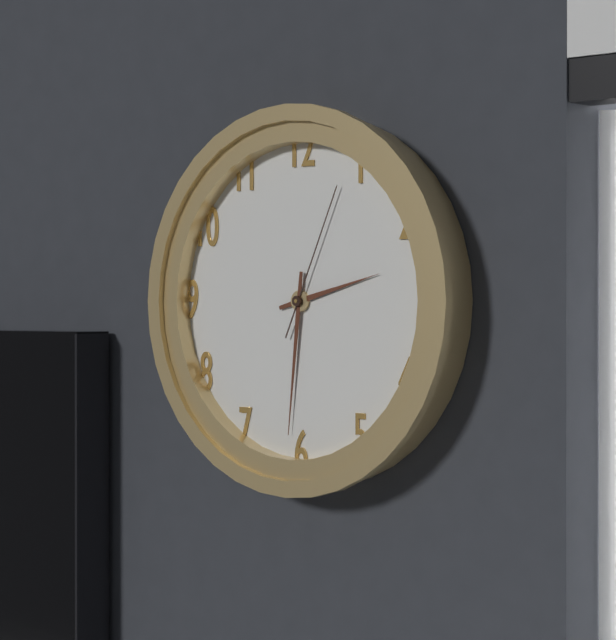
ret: 2:31:04
